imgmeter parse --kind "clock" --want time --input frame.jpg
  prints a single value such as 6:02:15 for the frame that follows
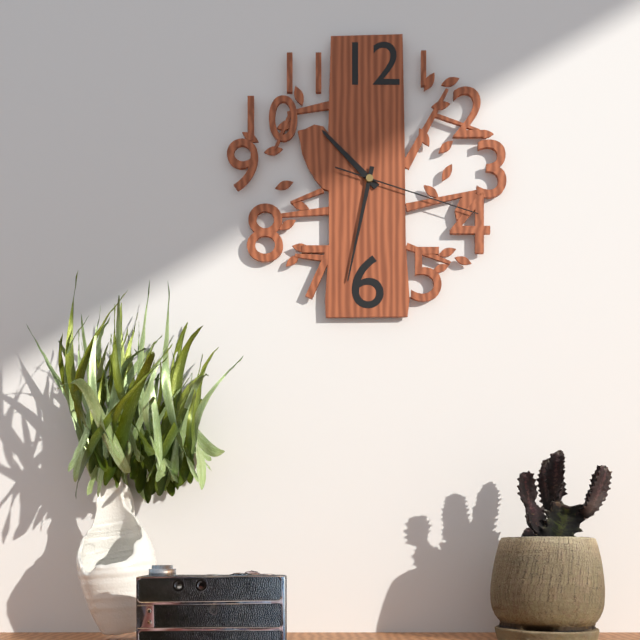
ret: 10:32:18
